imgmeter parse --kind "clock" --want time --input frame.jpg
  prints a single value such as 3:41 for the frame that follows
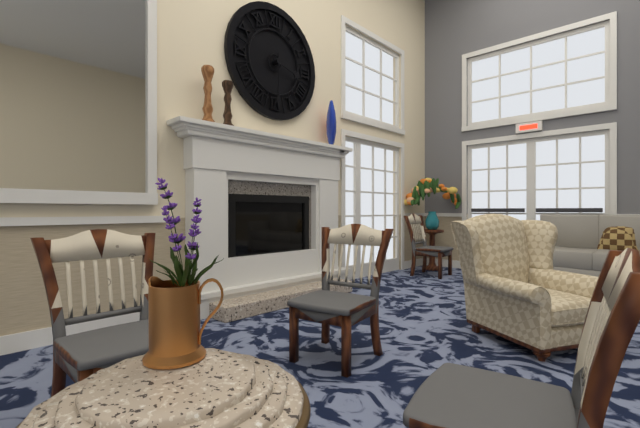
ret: 3:30
